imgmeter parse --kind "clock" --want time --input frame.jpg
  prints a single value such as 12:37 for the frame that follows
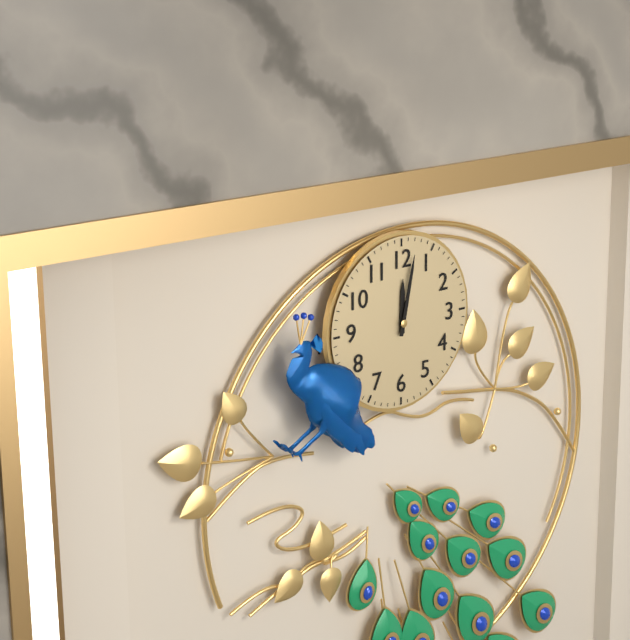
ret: 12:02
